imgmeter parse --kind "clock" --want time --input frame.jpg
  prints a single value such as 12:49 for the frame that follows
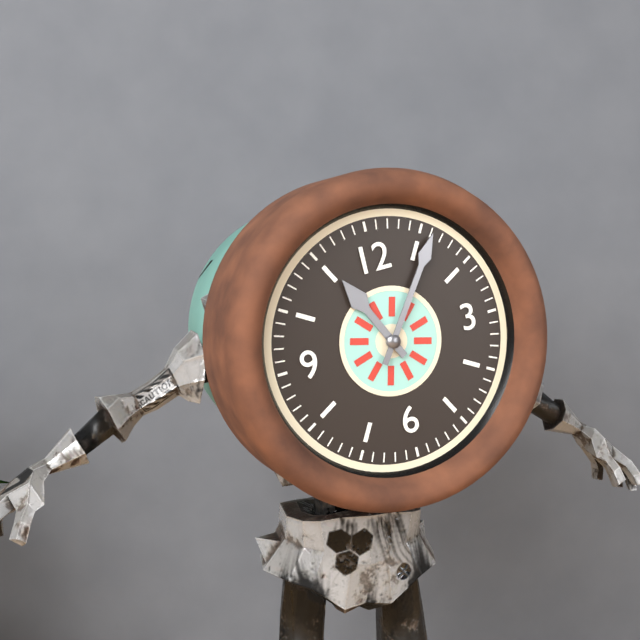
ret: 11:06
